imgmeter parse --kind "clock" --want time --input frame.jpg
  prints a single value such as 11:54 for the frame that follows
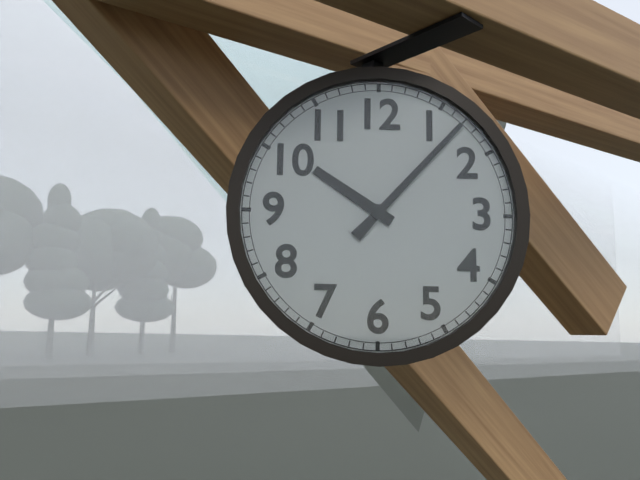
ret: 10:07
